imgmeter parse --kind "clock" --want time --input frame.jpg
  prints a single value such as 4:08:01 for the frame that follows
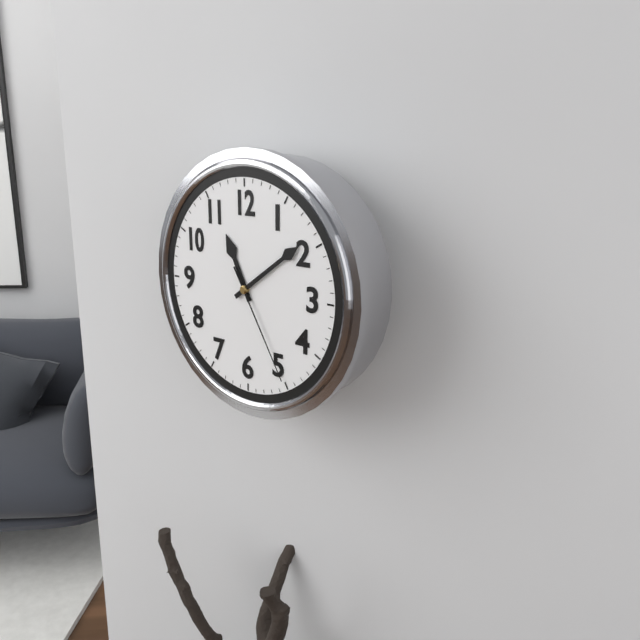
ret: 11:09:25
